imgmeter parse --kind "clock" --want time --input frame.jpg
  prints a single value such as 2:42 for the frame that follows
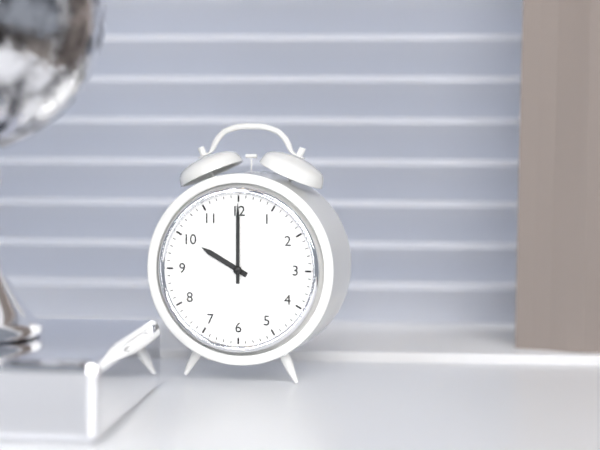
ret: 10:00
